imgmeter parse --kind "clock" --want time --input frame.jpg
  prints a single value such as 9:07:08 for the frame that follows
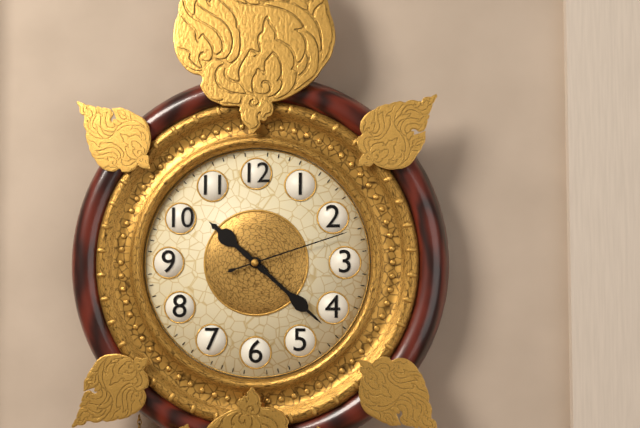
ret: 10:22:12
